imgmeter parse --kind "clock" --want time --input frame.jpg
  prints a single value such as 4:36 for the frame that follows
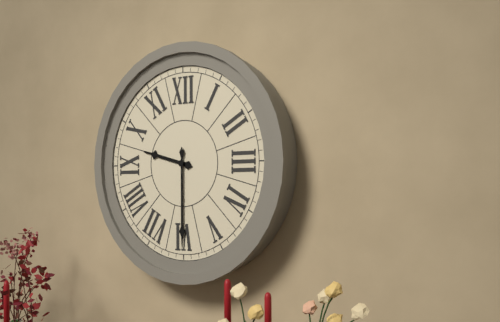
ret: 9:30
